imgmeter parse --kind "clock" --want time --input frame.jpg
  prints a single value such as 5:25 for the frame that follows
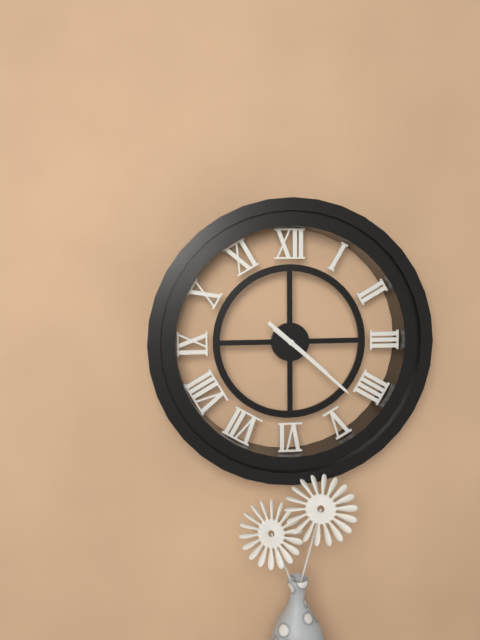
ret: 4:22
